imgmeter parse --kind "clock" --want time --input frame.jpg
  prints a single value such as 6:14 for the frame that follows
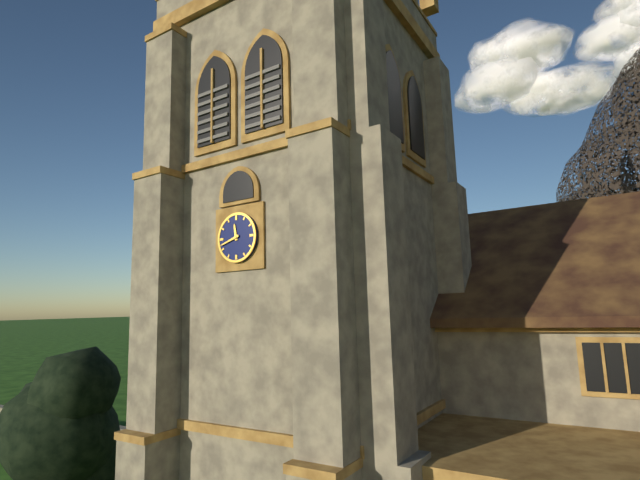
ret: 11:42
